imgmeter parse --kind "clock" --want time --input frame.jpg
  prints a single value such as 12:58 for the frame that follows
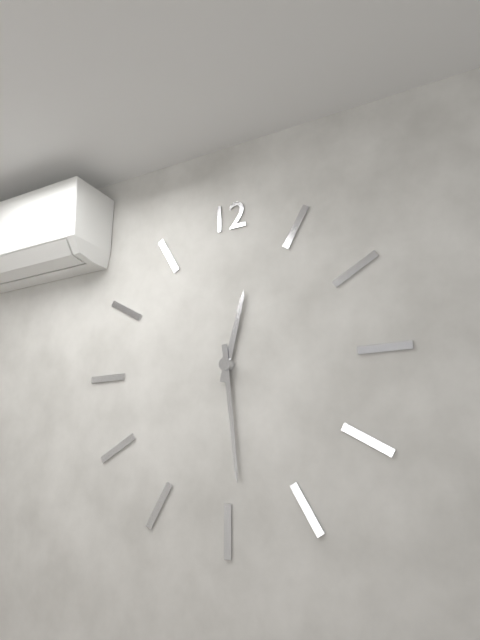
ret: 12:29
